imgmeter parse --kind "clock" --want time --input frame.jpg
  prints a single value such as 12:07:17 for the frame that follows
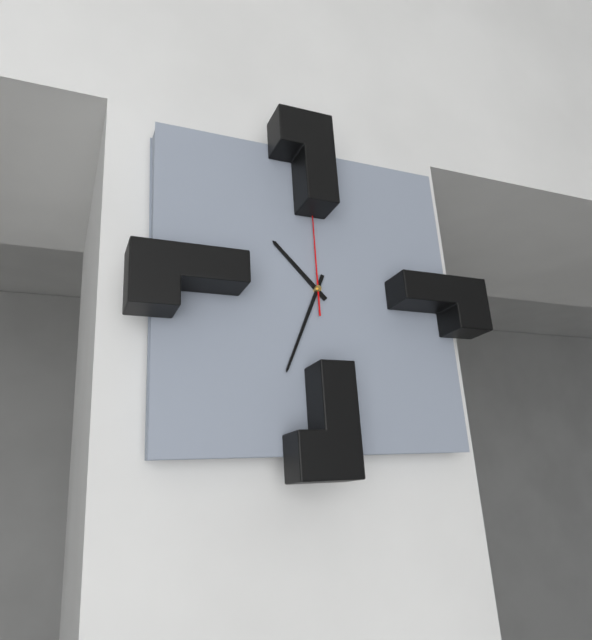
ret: 10:34:00
